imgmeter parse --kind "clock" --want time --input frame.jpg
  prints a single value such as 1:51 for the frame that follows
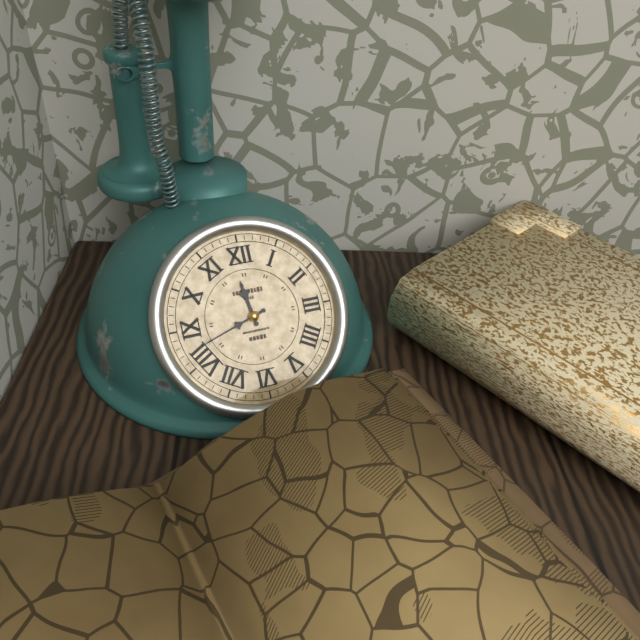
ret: 11:42
